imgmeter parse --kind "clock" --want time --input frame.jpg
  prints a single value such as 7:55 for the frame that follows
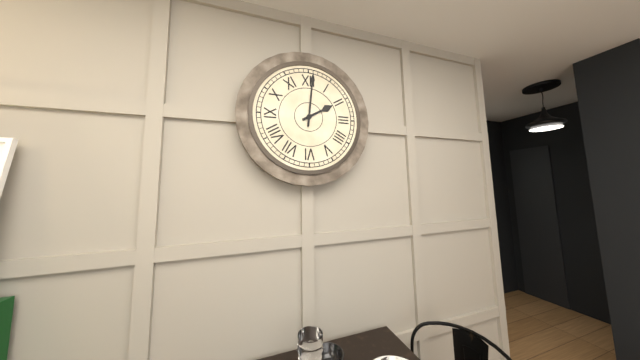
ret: 2:01
